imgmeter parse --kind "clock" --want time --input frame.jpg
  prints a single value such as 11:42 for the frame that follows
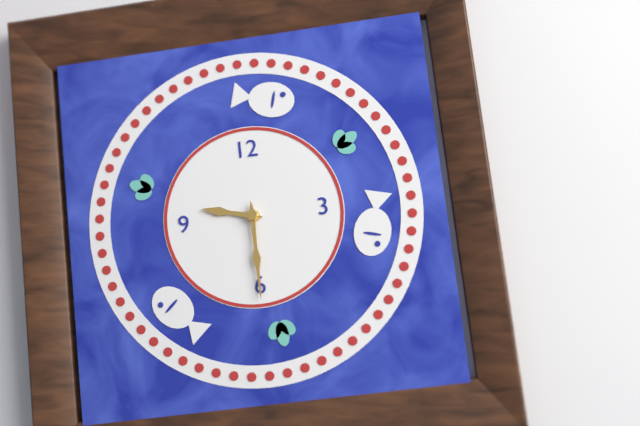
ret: 9:30
